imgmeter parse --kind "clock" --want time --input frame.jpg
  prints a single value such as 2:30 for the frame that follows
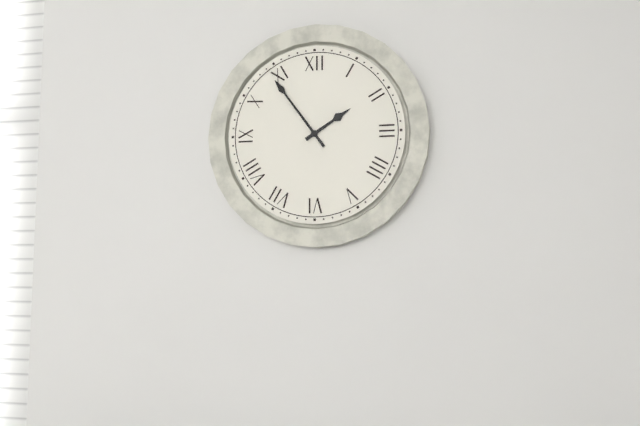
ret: 1:54
